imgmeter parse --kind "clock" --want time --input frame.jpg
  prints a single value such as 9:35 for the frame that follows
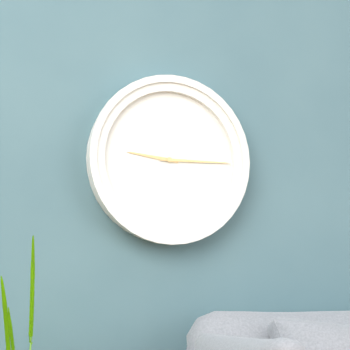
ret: 9:15
